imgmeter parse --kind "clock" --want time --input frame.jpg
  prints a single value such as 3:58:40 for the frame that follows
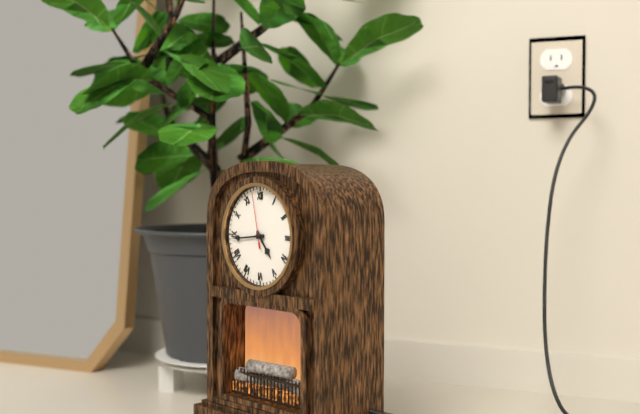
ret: 4:44:58
